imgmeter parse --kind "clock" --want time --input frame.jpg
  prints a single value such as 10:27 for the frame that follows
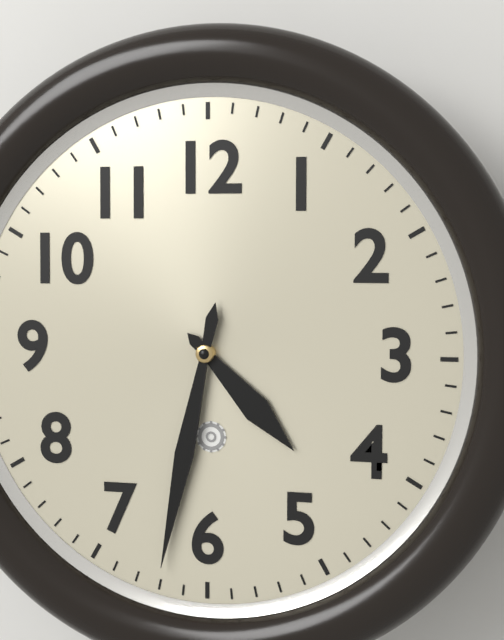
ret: 4:32
